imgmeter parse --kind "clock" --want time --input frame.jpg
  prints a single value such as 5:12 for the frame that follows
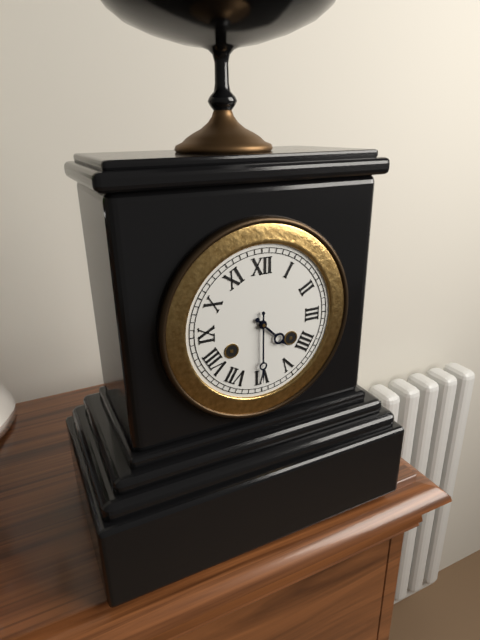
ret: 4:30
